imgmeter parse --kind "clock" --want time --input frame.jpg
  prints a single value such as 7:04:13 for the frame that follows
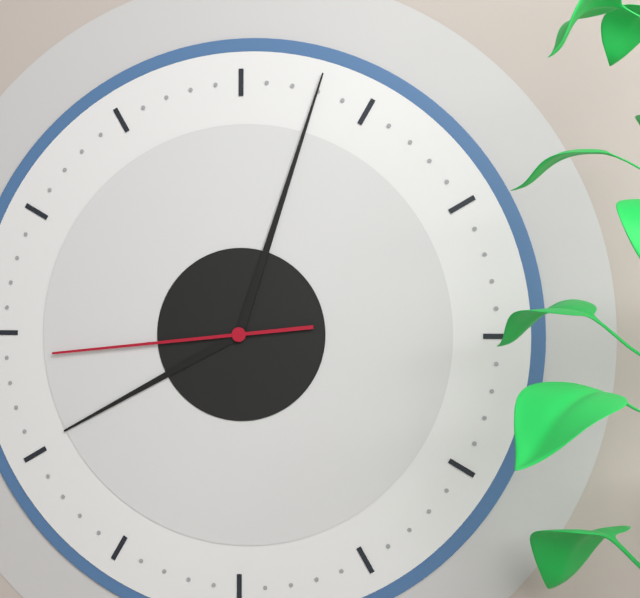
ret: 8:03:44
